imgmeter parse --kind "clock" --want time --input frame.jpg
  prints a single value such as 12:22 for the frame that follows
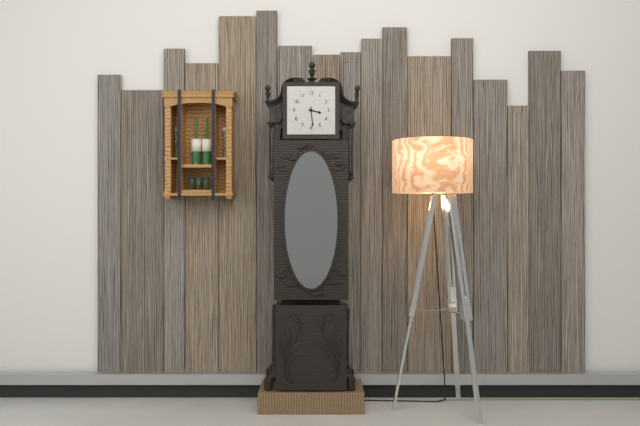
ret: 3:29
